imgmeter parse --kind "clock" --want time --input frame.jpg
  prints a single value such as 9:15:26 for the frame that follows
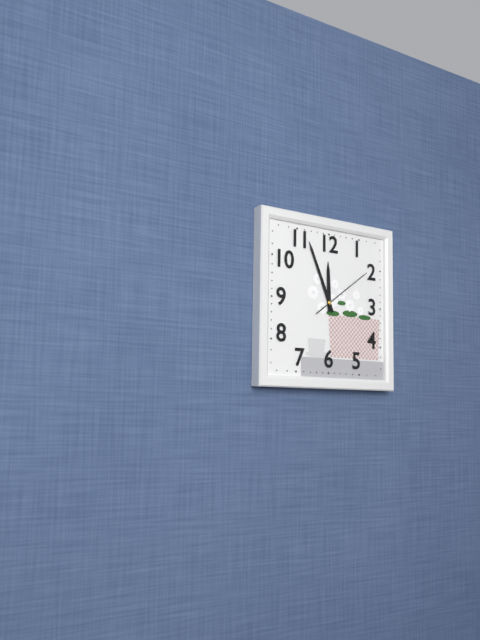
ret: 11:56:09
